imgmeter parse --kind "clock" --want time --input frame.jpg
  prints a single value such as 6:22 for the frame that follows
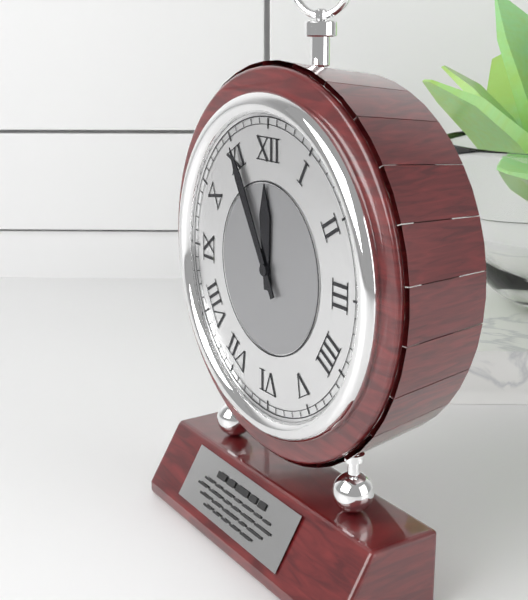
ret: 11:55
